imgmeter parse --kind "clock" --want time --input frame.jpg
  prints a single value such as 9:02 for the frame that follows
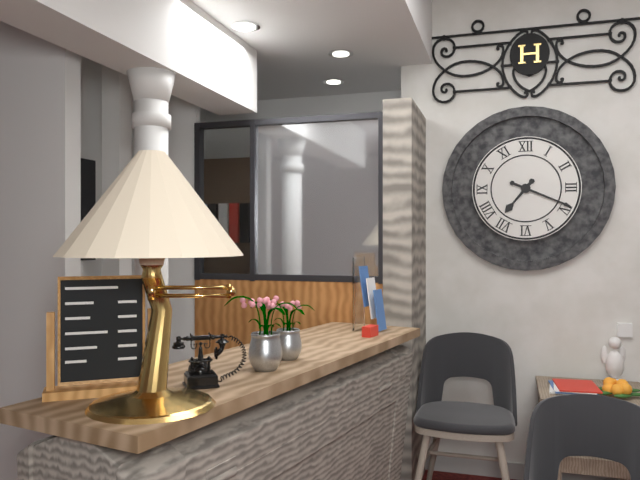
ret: 7:19
